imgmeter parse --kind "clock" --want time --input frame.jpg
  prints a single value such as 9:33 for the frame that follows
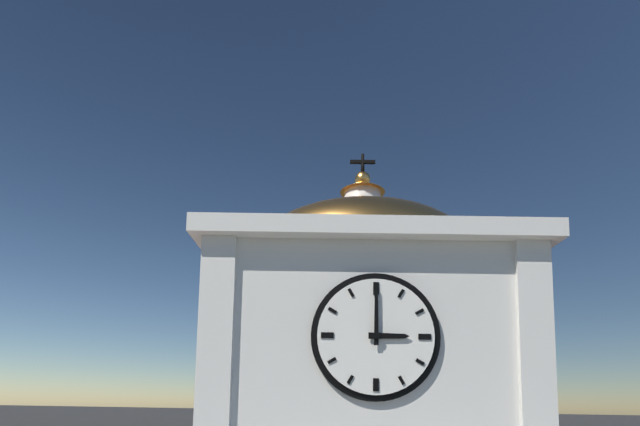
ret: 3:00
